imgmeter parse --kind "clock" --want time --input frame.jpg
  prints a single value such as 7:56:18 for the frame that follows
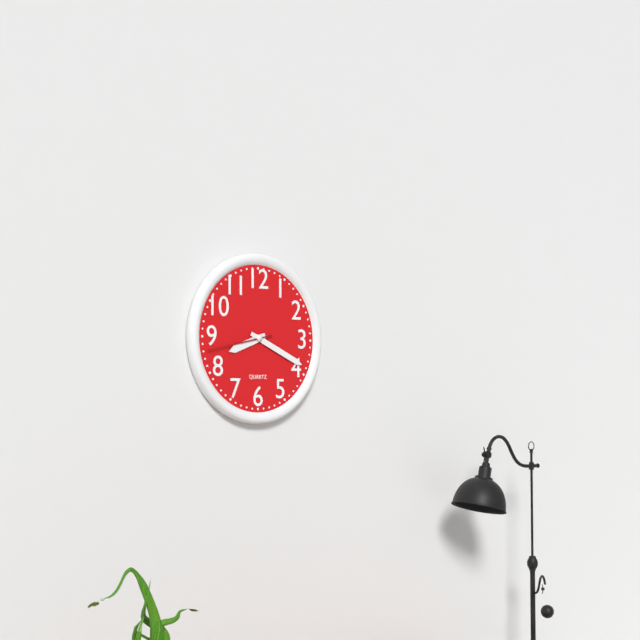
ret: 8:19:43
